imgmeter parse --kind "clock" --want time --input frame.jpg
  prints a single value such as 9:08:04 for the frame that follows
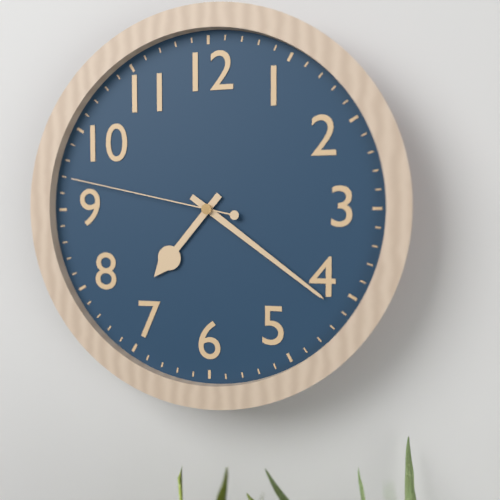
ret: 7:21:47
